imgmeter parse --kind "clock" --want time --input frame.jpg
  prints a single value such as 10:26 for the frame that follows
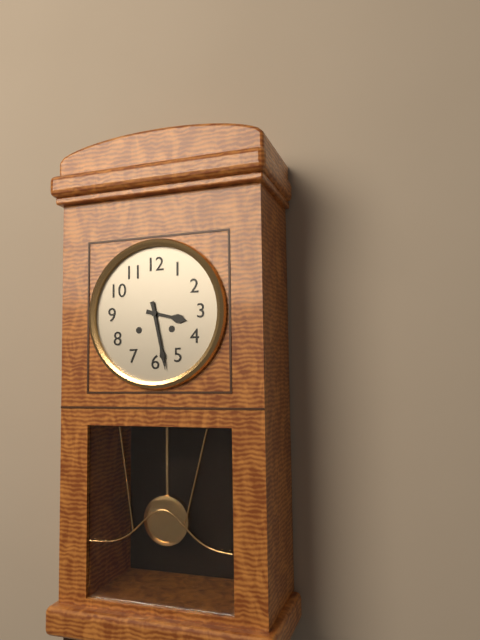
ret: 3:28
